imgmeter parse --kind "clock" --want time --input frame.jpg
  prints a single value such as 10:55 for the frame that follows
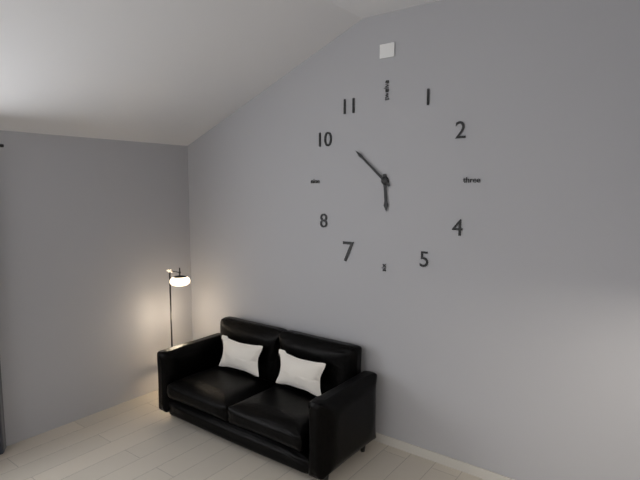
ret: 5:52
